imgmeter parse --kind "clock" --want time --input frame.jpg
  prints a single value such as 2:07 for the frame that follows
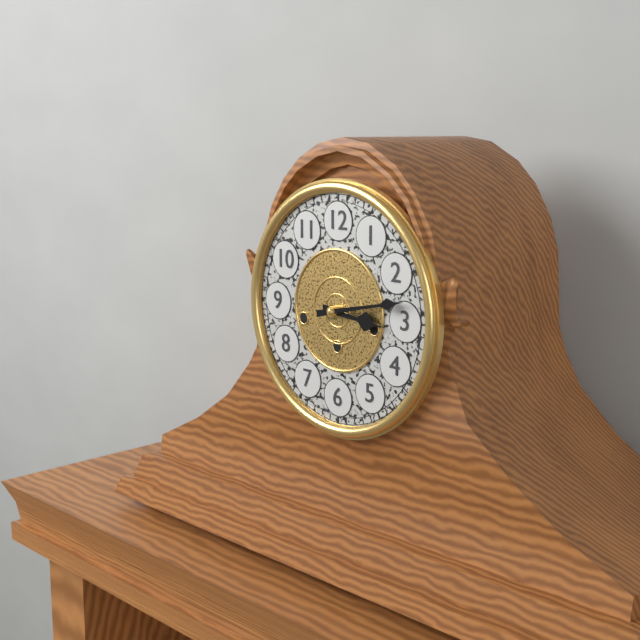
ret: 3:13
